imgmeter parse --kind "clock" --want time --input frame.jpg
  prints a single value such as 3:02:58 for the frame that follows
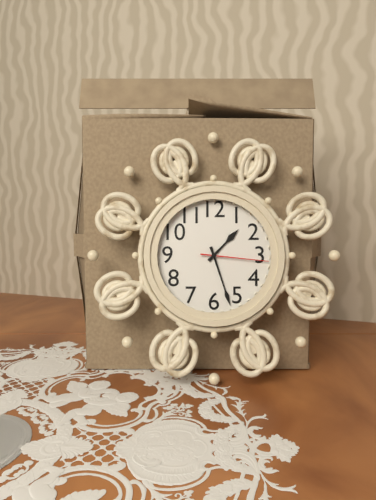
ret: 1:27:16
